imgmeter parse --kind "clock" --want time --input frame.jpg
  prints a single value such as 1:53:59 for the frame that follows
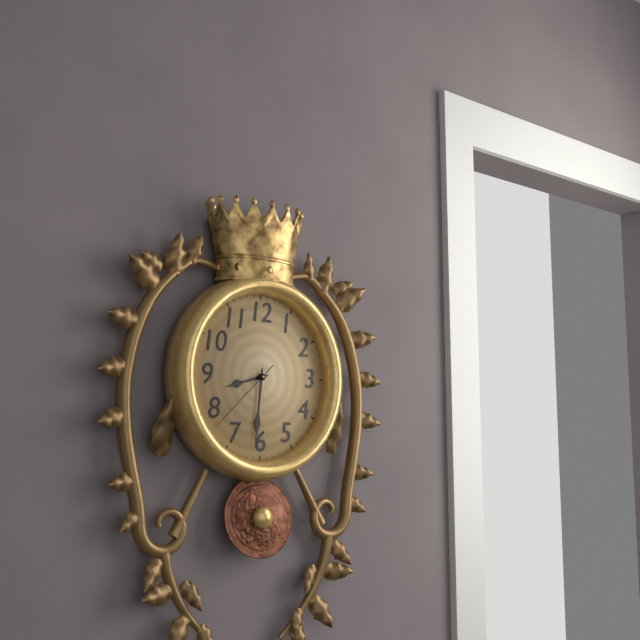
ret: 8:31:38
